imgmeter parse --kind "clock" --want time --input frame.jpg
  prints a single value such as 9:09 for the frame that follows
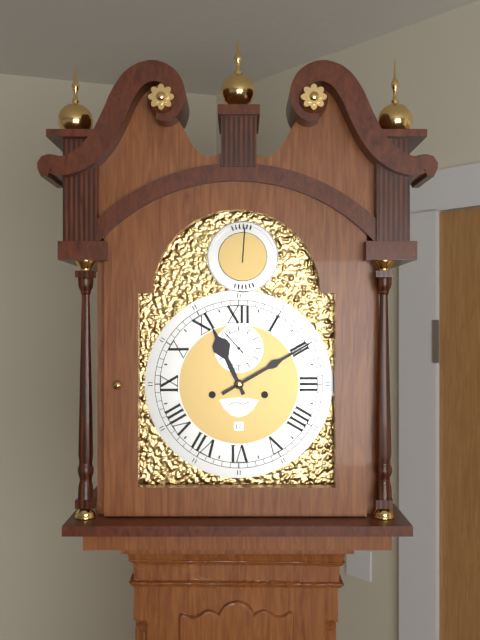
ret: 11:10
